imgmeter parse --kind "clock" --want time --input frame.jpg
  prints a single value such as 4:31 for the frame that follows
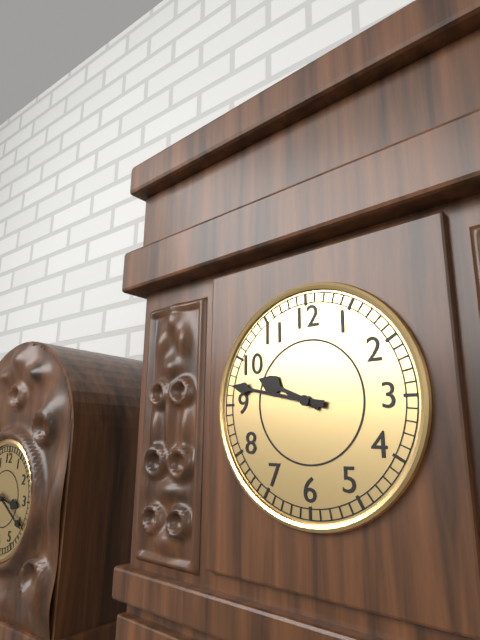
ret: 9:47
